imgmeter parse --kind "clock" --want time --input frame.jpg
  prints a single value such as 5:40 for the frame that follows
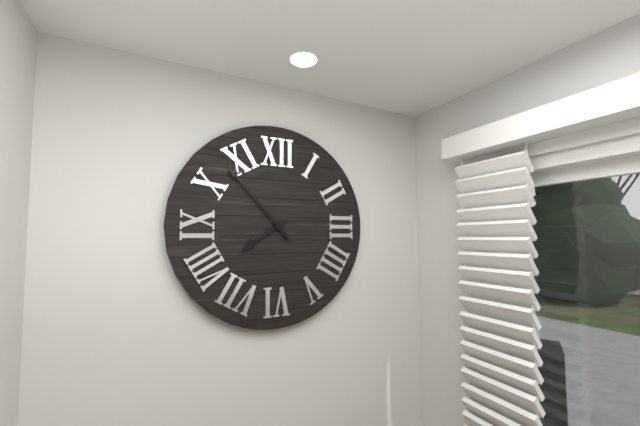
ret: 7:53
